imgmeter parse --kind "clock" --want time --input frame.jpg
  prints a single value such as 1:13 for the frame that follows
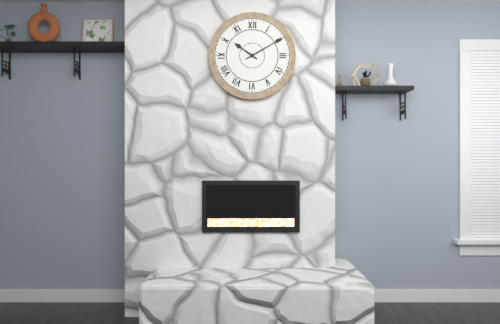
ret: 10:10
